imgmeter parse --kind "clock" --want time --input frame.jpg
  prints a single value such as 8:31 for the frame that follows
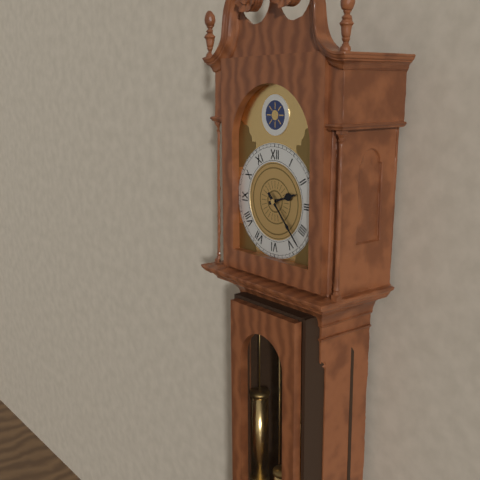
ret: 2:23
